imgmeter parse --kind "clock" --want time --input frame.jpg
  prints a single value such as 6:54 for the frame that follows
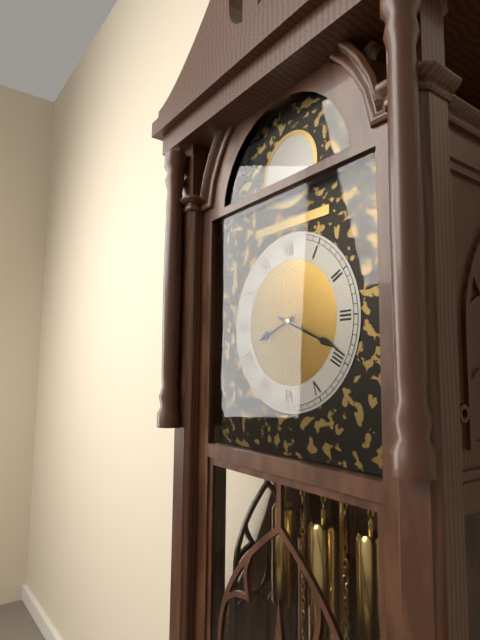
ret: 8:19
